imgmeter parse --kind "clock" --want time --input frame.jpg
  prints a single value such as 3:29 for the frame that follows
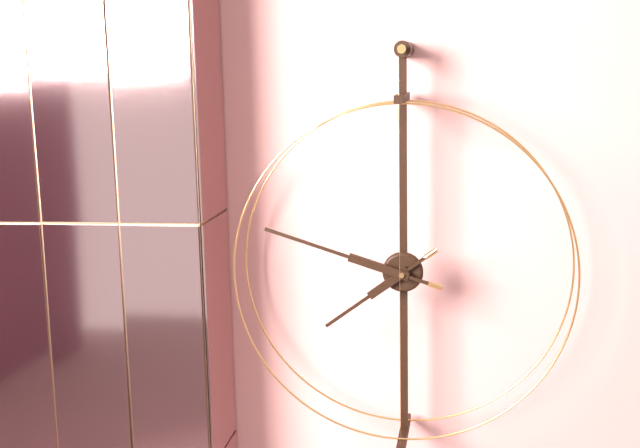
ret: 7:48
